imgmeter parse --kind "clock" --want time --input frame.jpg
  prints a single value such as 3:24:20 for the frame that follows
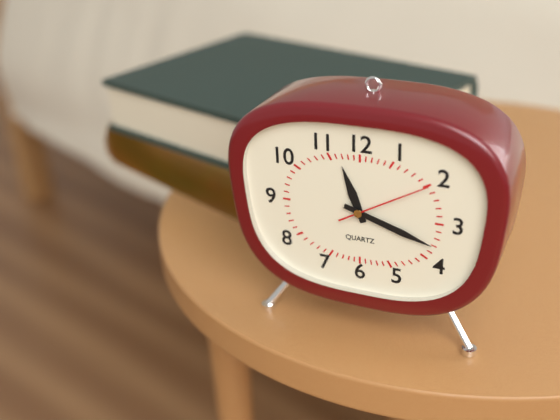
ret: 11:18:10
